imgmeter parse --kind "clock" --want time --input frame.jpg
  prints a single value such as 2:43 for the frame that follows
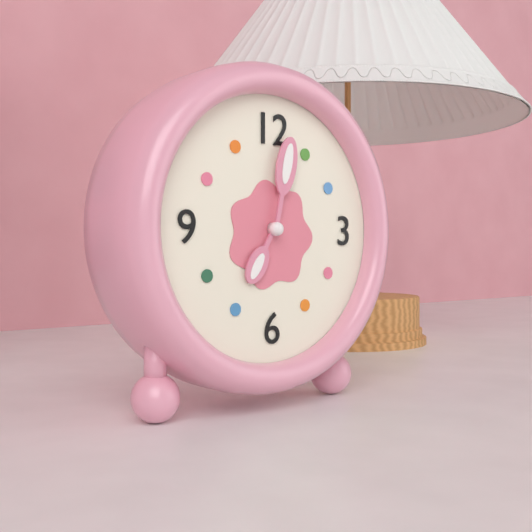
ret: 7:02
